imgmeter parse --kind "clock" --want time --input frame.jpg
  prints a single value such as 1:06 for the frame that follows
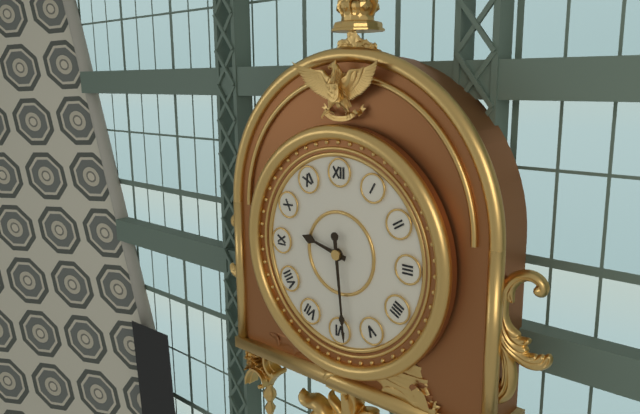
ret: 9:29
